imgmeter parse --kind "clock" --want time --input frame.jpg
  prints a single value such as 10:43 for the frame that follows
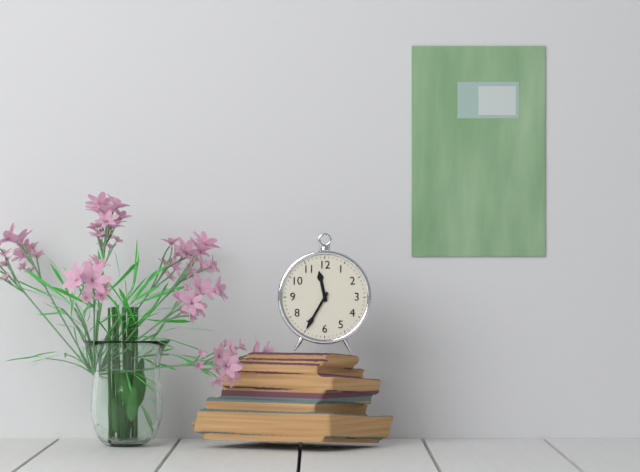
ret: 11:35
